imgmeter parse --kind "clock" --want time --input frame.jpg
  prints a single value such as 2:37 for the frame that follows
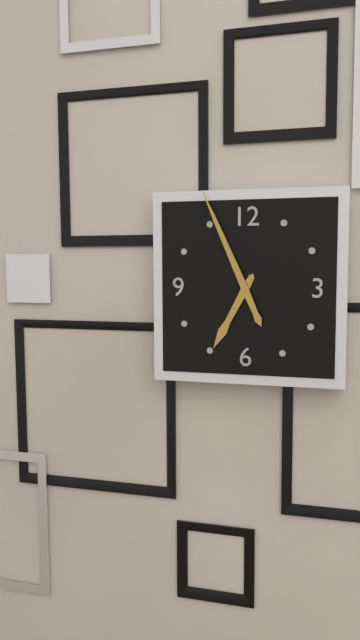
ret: 6:56
